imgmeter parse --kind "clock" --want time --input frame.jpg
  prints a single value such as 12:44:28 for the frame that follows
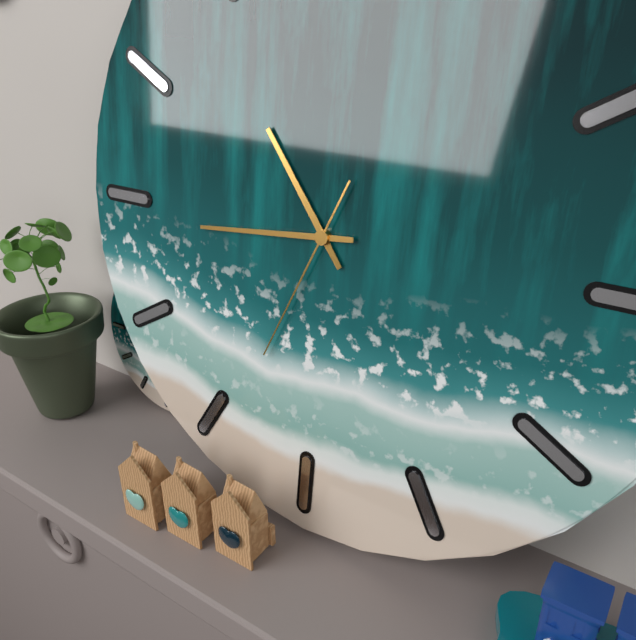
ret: 10:44:34
